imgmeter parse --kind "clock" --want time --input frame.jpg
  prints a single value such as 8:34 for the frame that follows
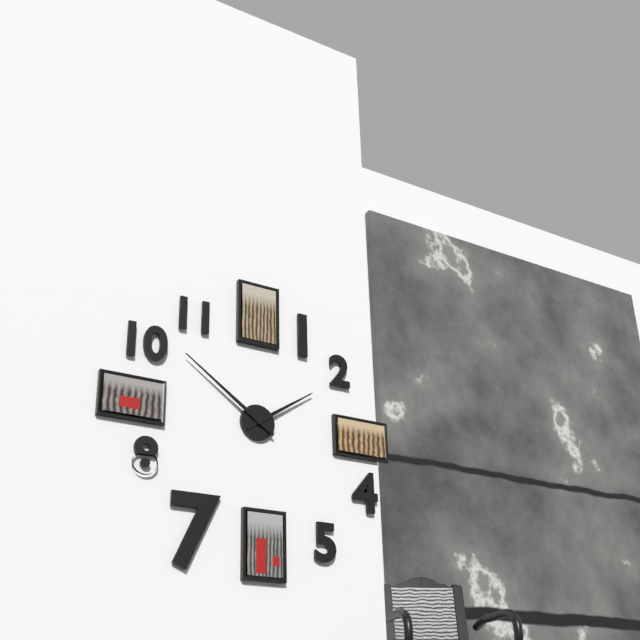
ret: 1:51
